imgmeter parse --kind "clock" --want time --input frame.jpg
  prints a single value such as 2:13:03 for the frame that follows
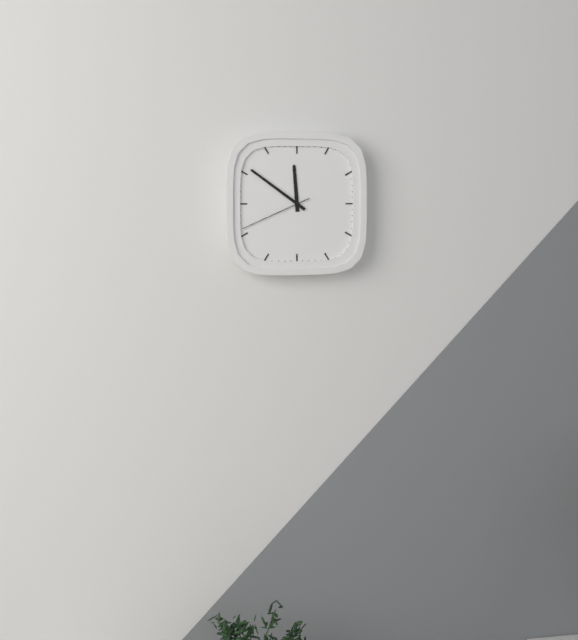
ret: 11:51:41
